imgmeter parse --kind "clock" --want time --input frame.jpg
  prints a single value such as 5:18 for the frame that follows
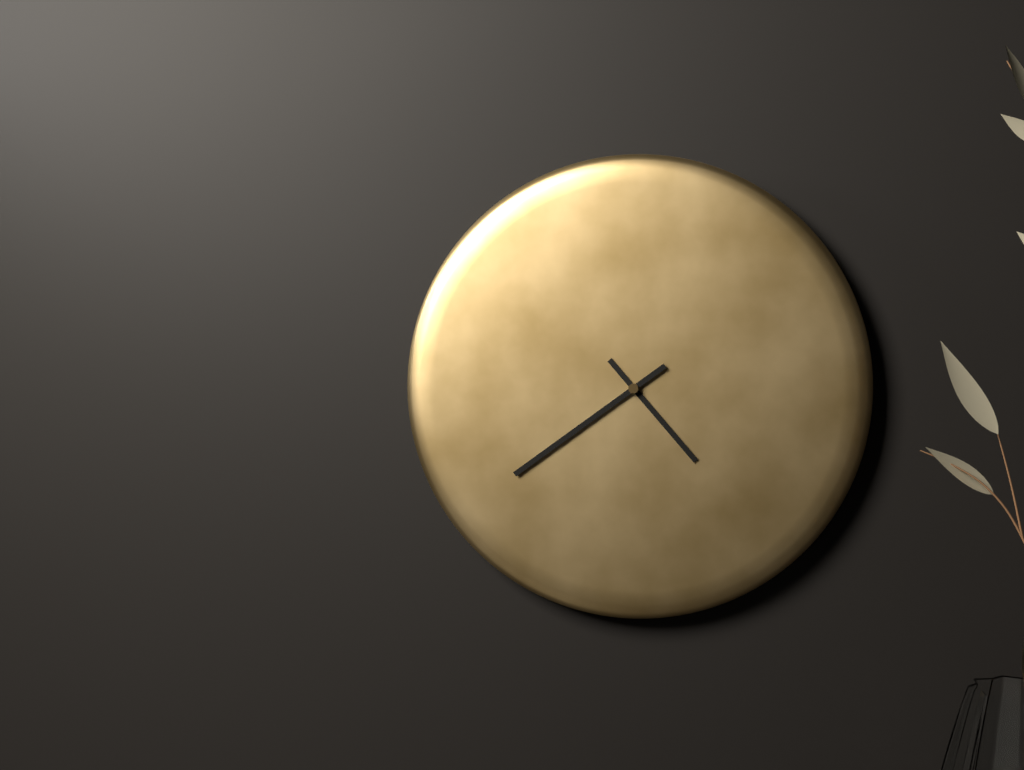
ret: 4:39
